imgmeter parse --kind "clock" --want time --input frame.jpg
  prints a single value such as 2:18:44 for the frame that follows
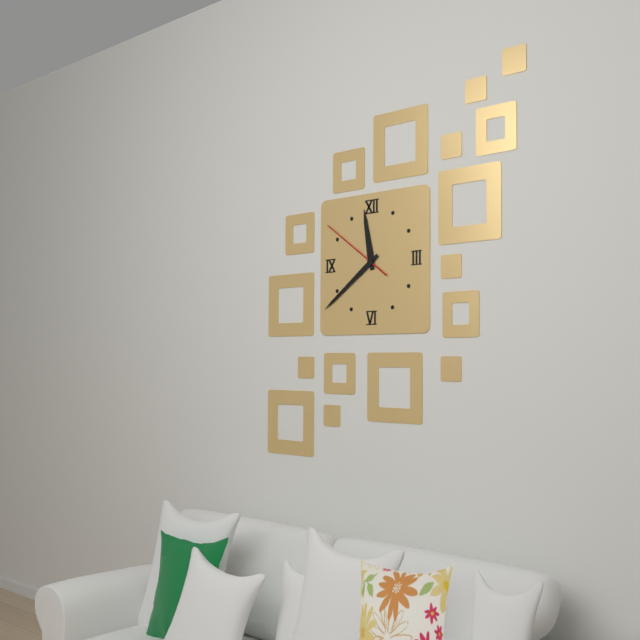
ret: 11:39:51
